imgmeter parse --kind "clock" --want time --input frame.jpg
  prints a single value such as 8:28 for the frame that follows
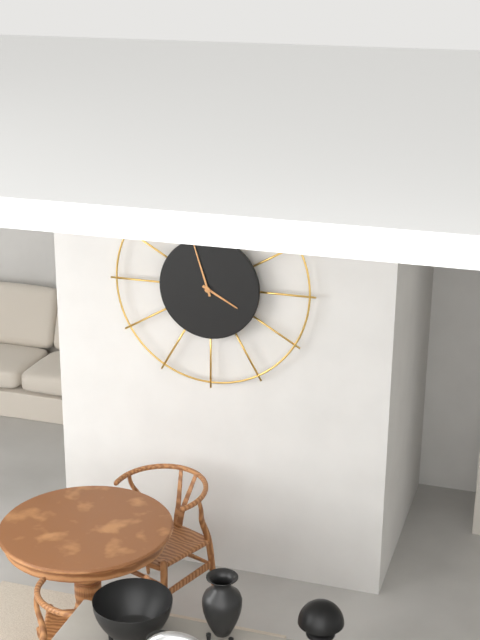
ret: 3:57
